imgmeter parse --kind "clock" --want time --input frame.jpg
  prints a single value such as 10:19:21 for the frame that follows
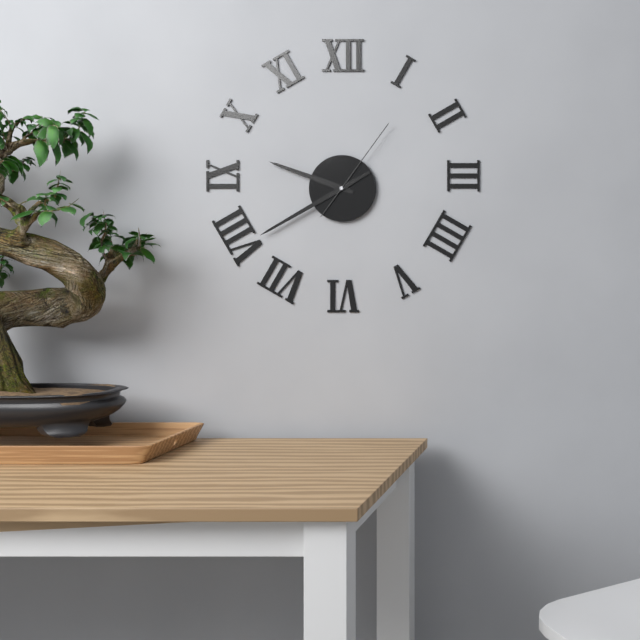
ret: 9:40:06
